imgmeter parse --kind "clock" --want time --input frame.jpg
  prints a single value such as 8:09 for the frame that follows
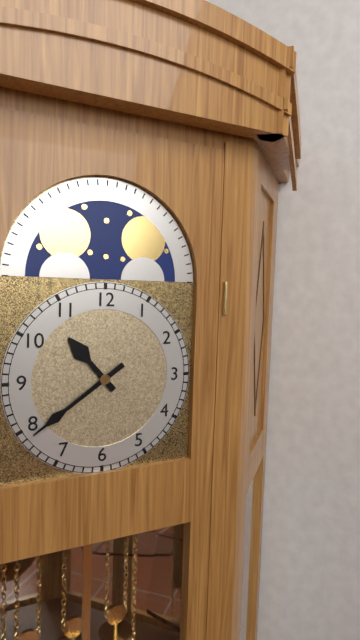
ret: 10:39
